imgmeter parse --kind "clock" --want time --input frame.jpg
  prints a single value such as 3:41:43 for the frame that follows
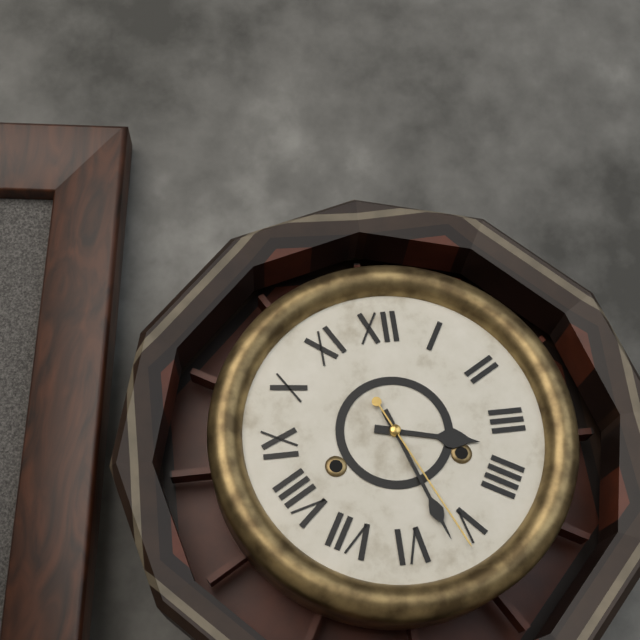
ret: 3:27:26
